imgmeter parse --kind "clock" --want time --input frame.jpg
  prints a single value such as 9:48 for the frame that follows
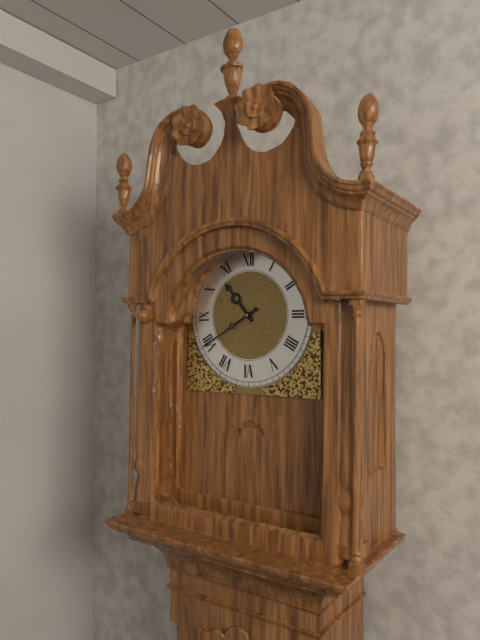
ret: 10:40
